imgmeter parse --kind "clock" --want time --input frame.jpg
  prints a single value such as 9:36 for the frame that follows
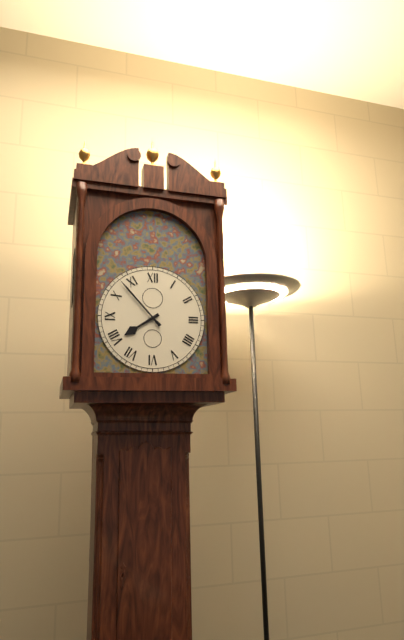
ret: 7:53
